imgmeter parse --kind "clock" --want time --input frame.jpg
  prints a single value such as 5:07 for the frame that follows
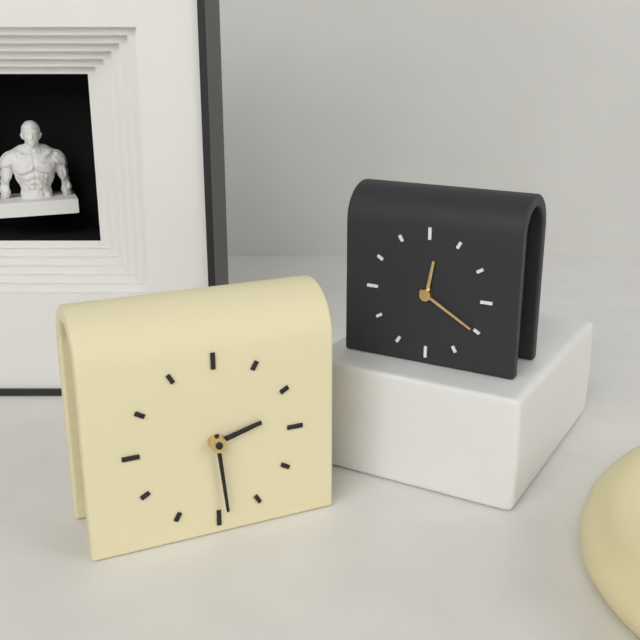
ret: 2:29
